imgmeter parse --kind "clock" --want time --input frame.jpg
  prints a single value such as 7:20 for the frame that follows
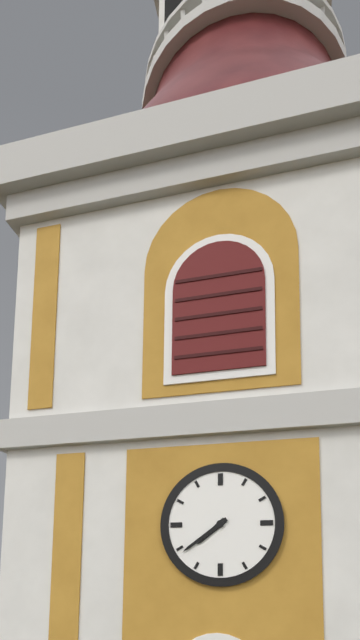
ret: 7:39
